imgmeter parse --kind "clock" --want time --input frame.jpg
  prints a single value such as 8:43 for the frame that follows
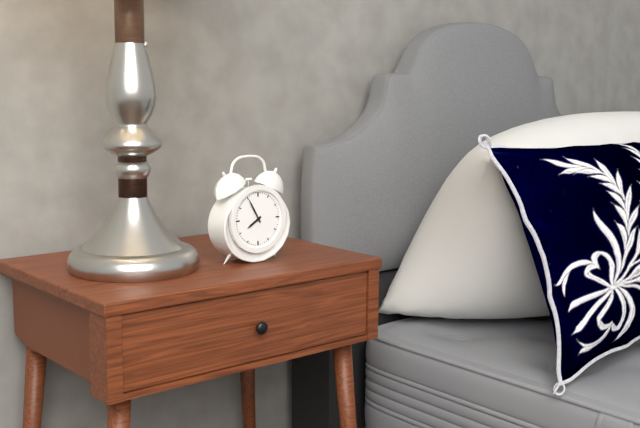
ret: 7:55
